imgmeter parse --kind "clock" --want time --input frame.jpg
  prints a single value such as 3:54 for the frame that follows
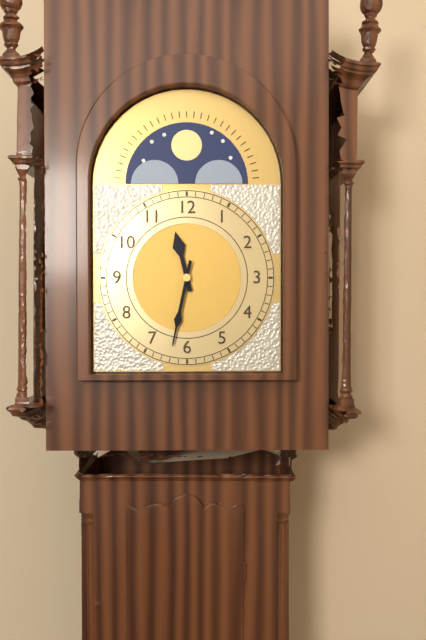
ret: 11:32
